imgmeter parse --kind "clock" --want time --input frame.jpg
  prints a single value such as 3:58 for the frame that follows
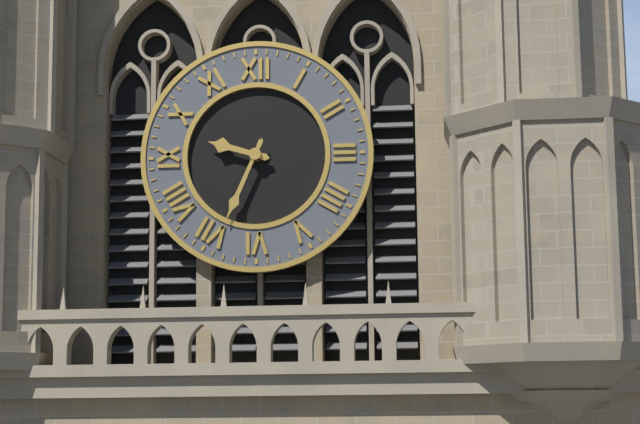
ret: 9:34
